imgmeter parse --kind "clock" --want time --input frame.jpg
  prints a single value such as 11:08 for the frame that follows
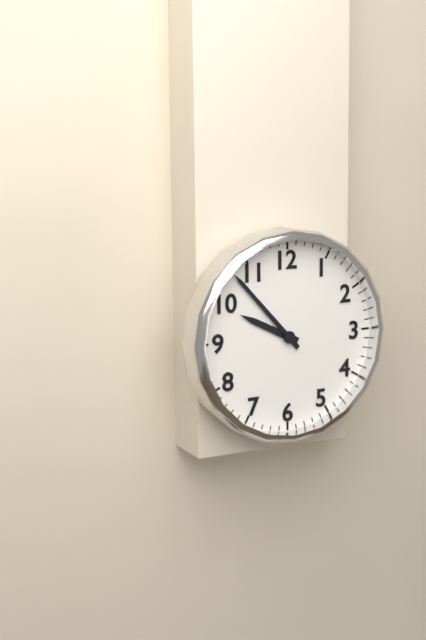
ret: 9:53
